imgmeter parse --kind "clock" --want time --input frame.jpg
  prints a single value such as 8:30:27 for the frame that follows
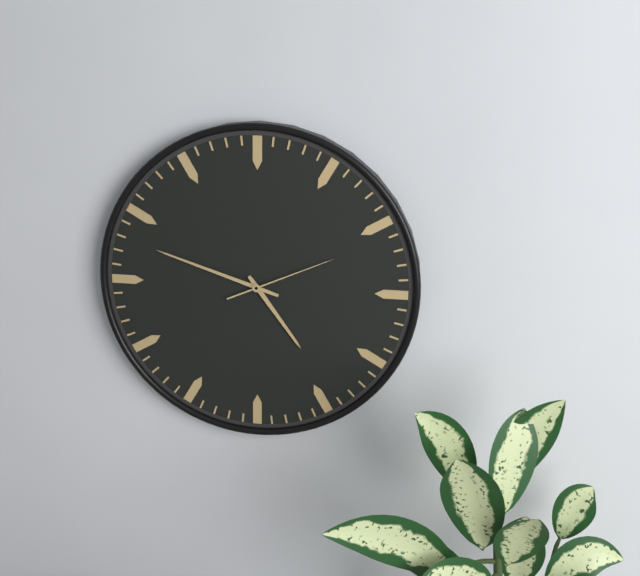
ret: 4:48:11
